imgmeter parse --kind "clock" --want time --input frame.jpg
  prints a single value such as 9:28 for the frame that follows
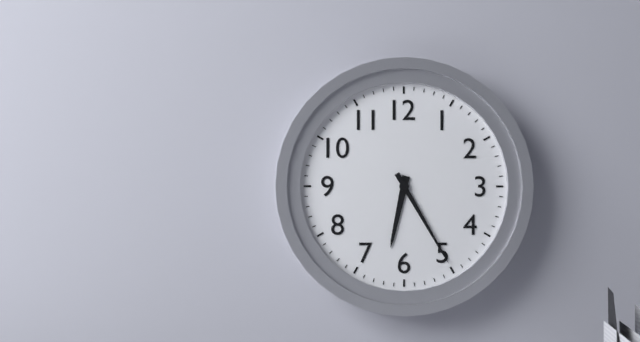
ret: 6:25
